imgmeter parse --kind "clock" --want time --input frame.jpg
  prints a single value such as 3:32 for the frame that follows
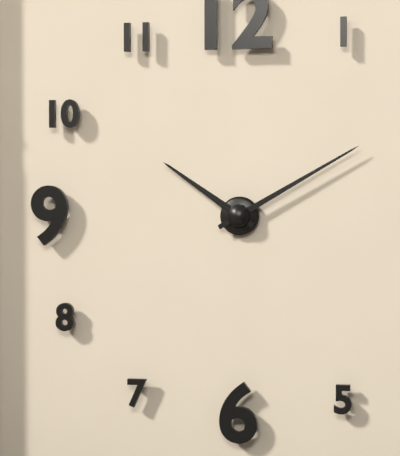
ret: 10:10
